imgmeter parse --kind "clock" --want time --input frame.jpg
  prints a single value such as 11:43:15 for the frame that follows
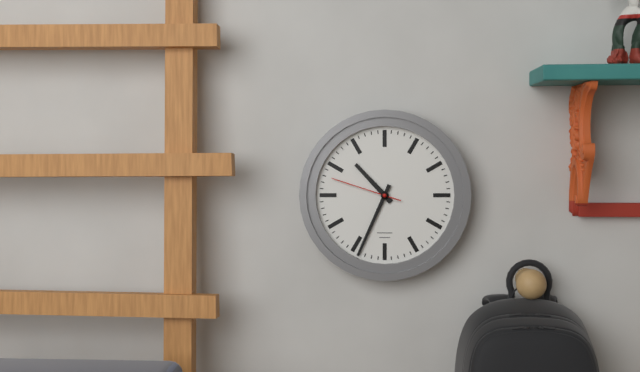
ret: 10:34:48
